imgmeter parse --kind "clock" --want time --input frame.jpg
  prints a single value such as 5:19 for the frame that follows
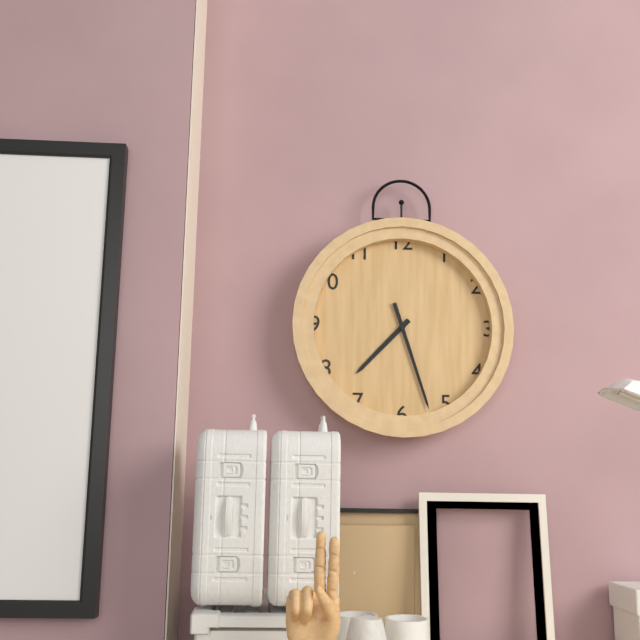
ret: 7:27
